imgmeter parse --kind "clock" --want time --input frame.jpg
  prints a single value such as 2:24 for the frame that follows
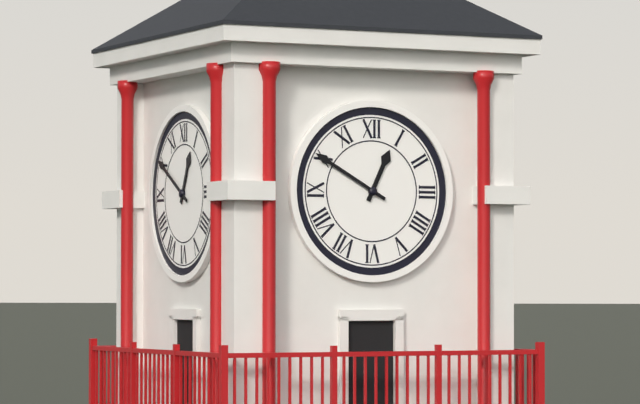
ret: 12:50
